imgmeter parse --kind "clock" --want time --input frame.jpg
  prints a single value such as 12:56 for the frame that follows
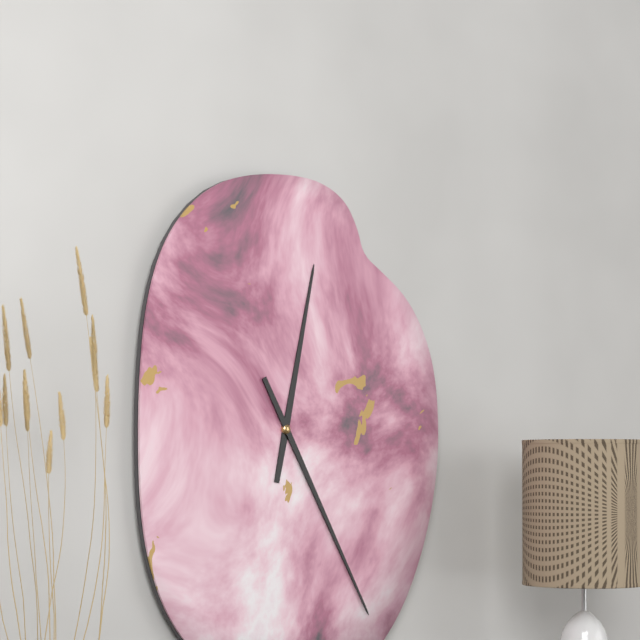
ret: 12:25
